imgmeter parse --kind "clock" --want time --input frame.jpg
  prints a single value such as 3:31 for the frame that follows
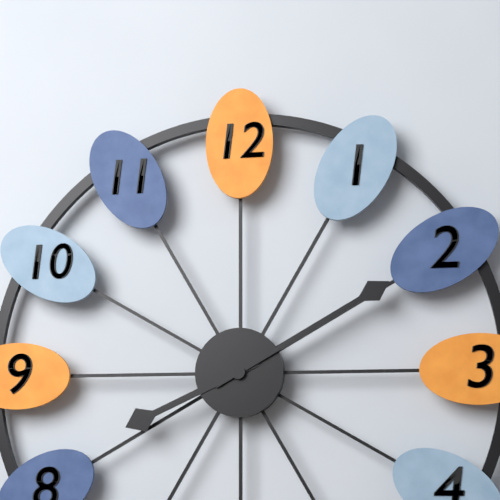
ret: 8:10
